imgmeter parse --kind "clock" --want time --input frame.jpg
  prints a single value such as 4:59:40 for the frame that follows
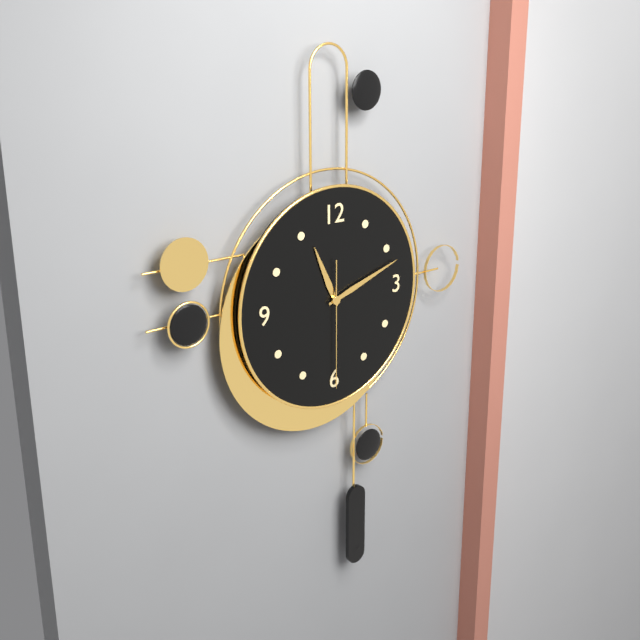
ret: 11:12:30
